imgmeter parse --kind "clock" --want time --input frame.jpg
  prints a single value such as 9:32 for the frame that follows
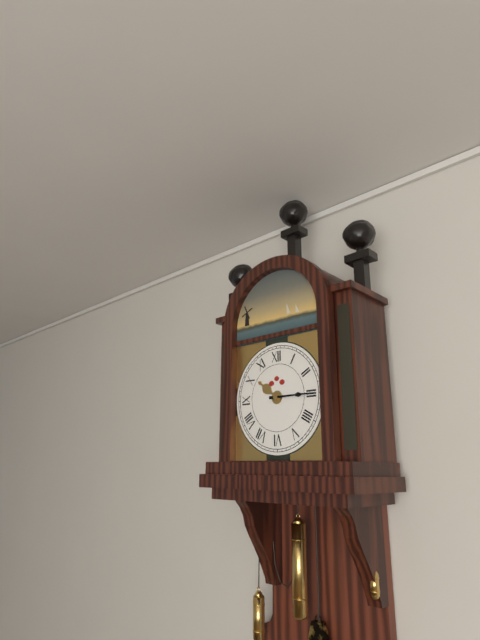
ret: 10:15
